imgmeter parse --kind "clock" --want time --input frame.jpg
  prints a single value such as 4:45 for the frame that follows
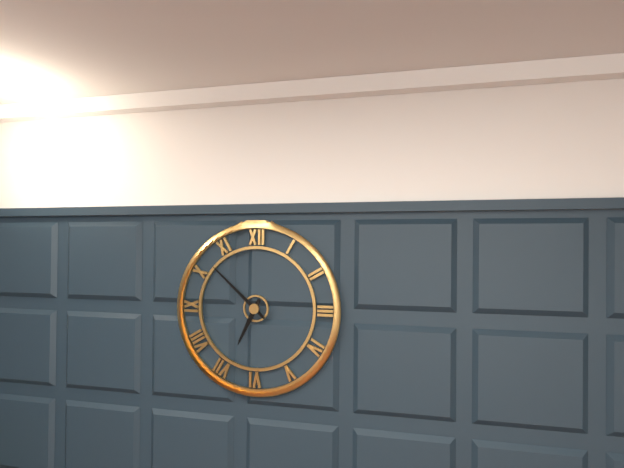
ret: 6:52
